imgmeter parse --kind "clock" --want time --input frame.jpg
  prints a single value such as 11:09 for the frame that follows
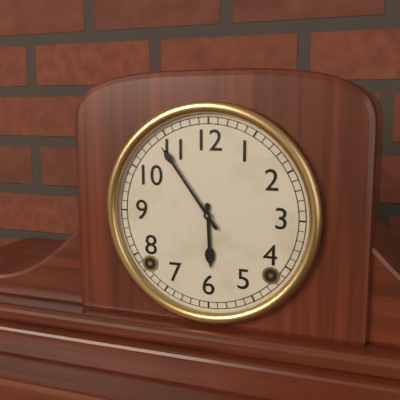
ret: 5:54
